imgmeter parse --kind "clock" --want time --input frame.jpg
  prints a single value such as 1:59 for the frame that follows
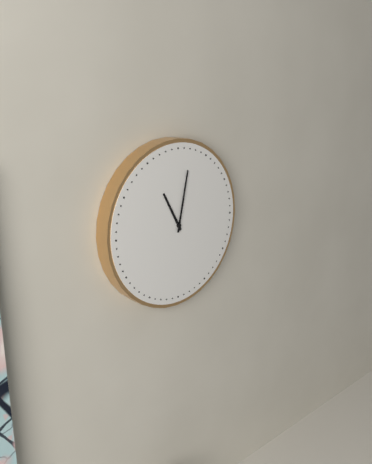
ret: 11:02
